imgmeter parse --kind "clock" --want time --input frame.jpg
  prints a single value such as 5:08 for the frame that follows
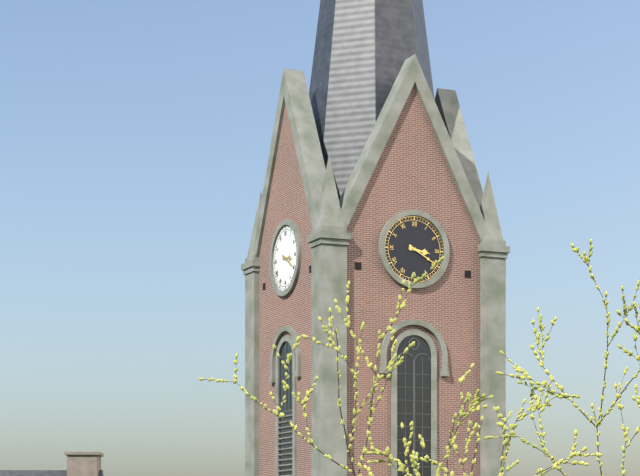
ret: 3:20
